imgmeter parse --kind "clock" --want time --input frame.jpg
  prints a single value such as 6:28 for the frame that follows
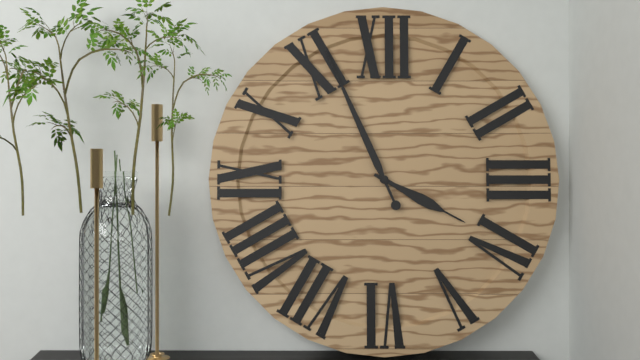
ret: 3:56
